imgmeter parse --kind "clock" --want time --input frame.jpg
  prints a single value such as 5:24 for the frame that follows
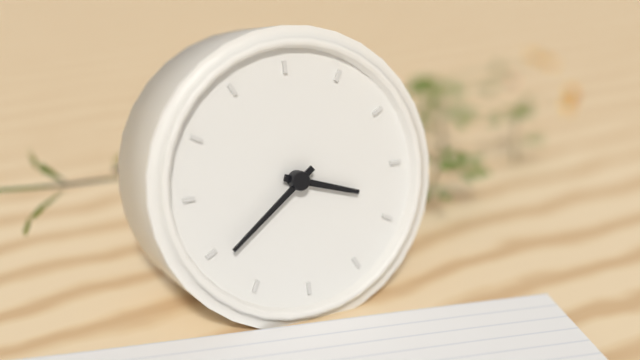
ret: 3:39
